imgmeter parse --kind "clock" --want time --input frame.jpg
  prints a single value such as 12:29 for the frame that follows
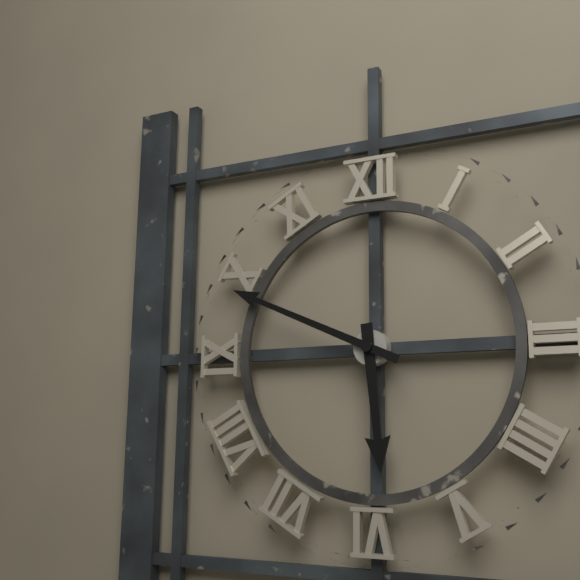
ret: 5:49
